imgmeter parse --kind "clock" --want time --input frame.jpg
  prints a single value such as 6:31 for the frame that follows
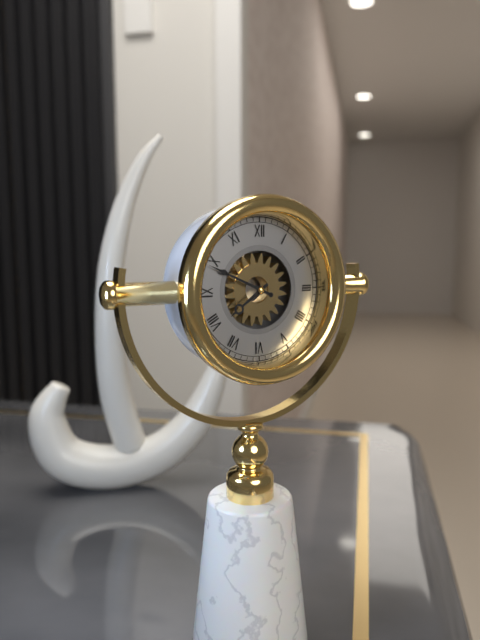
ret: 7:49
